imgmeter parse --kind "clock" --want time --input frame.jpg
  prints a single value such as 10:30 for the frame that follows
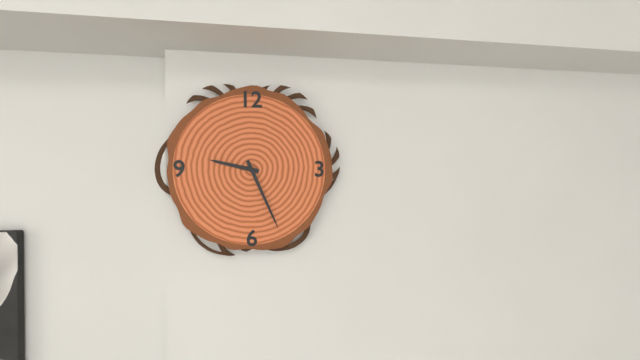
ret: 9:26
